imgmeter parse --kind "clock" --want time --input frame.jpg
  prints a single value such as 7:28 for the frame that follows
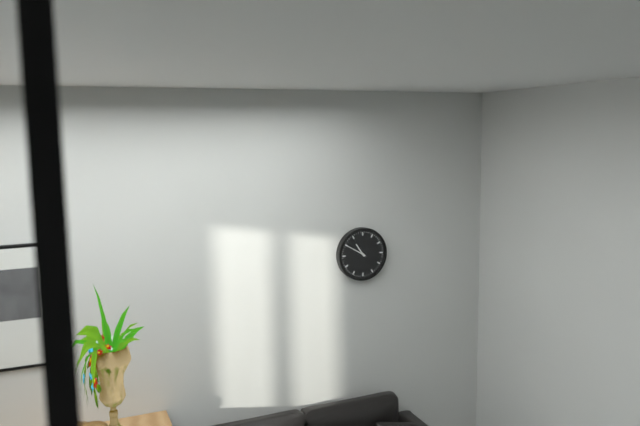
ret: 10:50
